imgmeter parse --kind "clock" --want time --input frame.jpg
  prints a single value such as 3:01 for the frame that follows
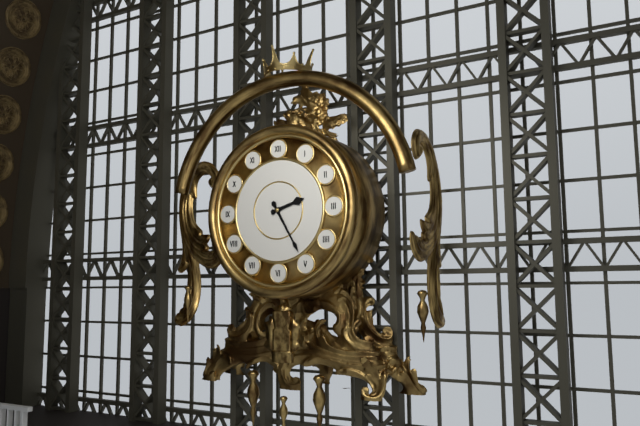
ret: 2:25
